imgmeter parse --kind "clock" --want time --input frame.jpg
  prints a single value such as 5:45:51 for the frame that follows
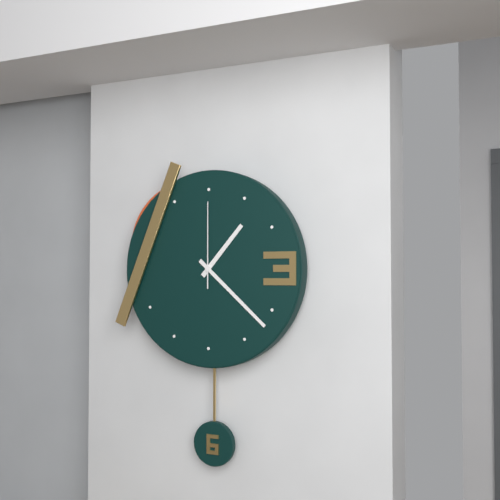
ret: 1:22:00
